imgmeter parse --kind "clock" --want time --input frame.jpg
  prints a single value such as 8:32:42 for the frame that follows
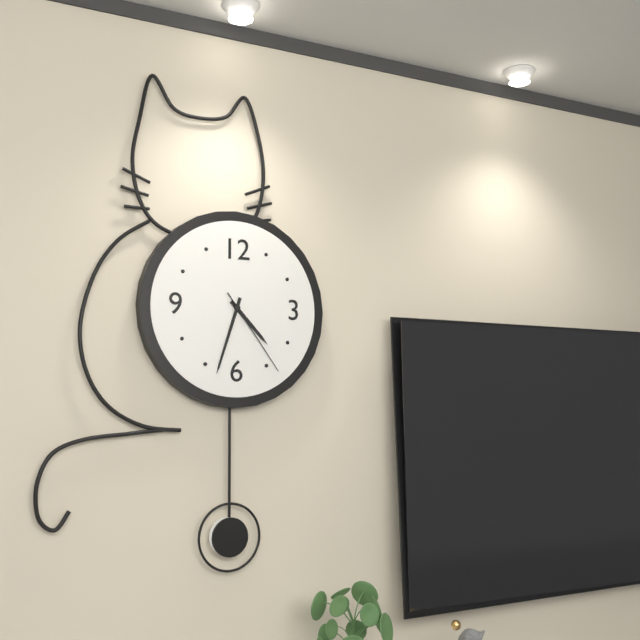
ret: 4:33:24
